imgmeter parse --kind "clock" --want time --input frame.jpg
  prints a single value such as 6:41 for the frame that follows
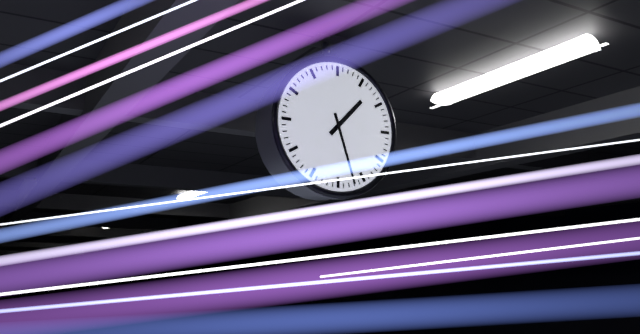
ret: 1:27
